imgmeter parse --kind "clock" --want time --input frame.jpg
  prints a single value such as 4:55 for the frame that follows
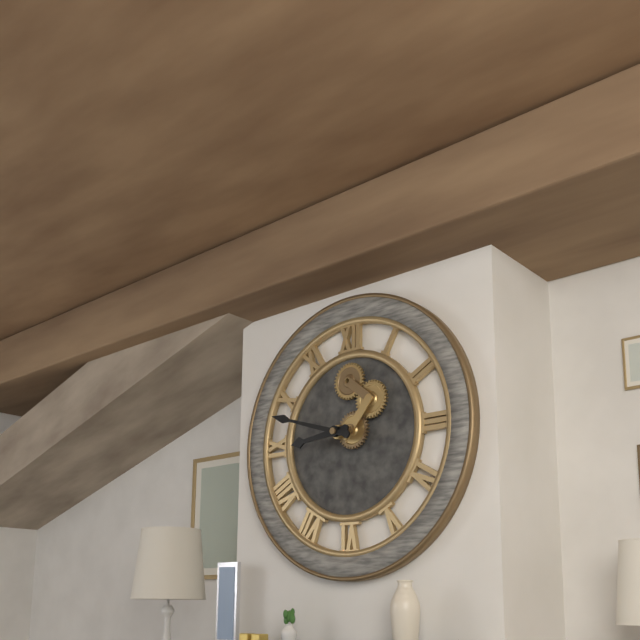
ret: 8:48
